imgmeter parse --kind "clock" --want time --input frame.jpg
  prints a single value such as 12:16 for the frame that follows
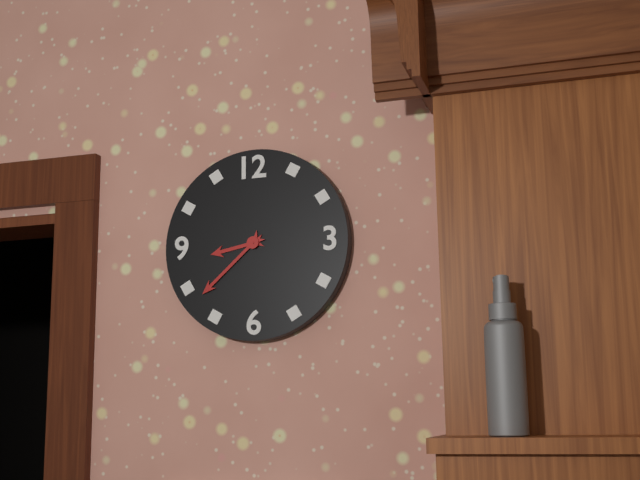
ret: 8:38
